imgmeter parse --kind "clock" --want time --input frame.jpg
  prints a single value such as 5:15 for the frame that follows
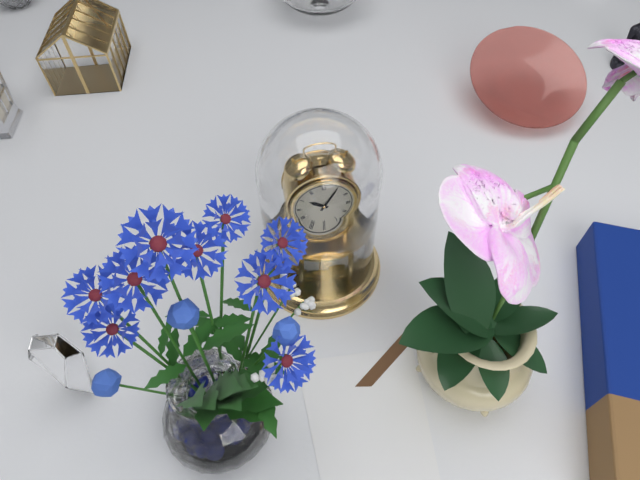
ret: 10:05
